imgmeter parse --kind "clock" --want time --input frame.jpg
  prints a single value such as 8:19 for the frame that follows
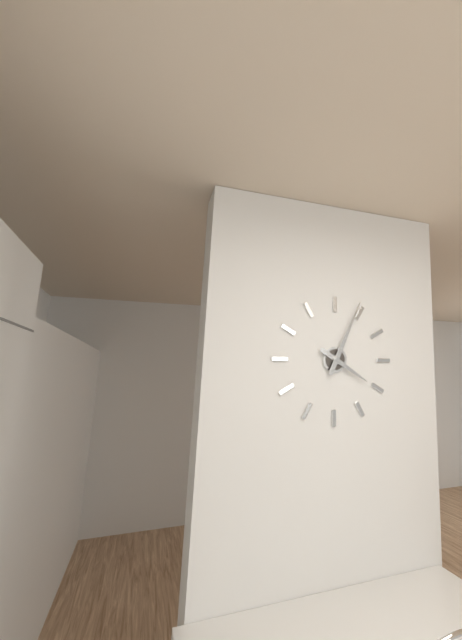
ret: 4:04
